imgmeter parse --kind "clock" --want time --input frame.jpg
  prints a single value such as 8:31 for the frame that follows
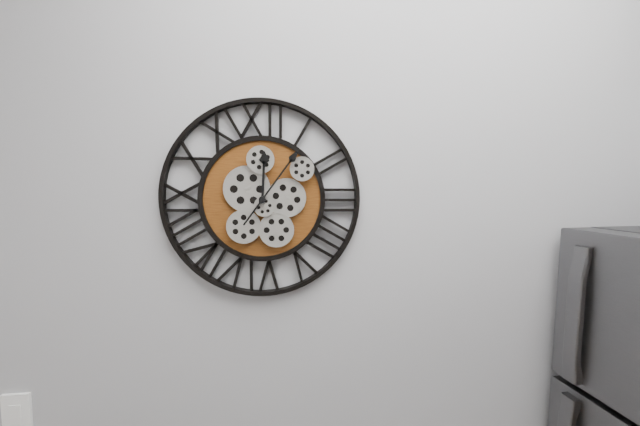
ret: 12:06
